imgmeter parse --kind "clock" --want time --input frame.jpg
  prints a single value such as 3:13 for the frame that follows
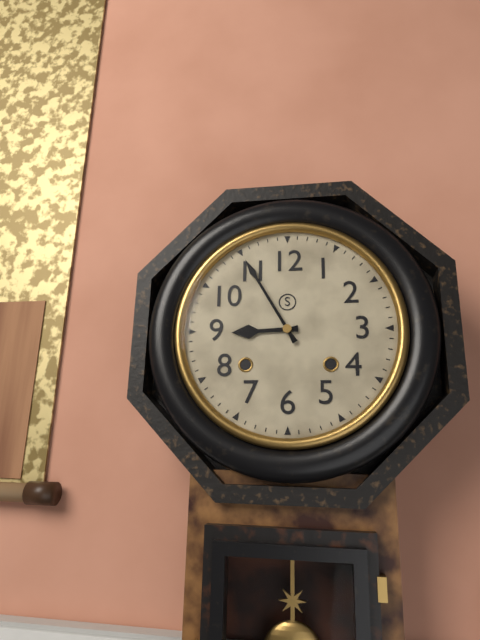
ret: 8:55
